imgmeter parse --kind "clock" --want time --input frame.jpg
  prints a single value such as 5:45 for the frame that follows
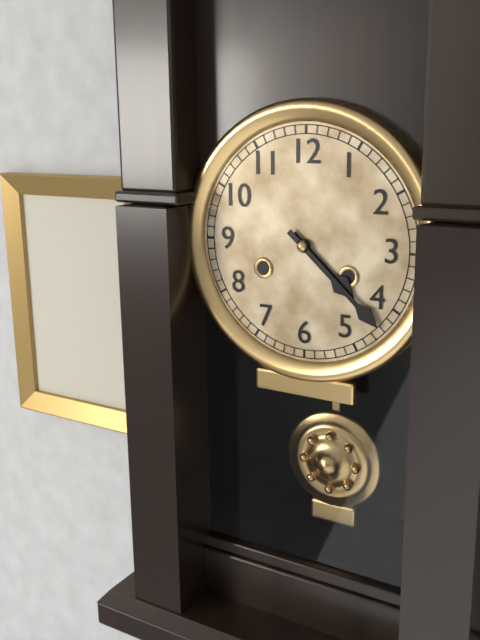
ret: 4:22
